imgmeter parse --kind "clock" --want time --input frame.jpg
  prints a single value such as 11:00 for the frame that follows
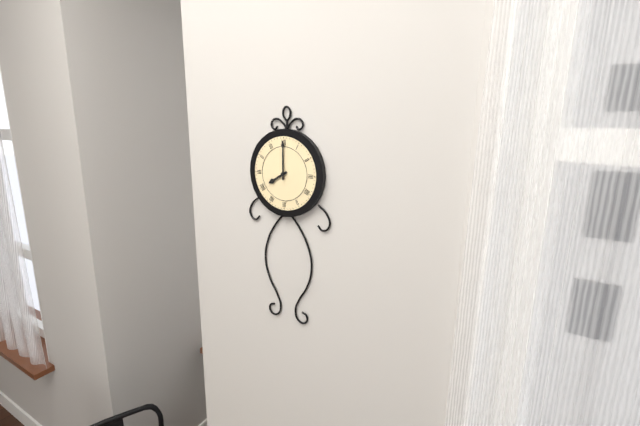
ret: 8:00
